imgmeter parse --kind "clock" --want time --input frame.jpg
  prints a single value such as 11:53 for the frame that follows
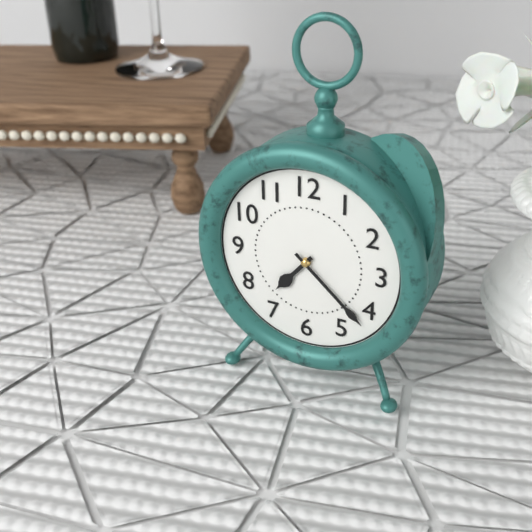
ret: 7:22
